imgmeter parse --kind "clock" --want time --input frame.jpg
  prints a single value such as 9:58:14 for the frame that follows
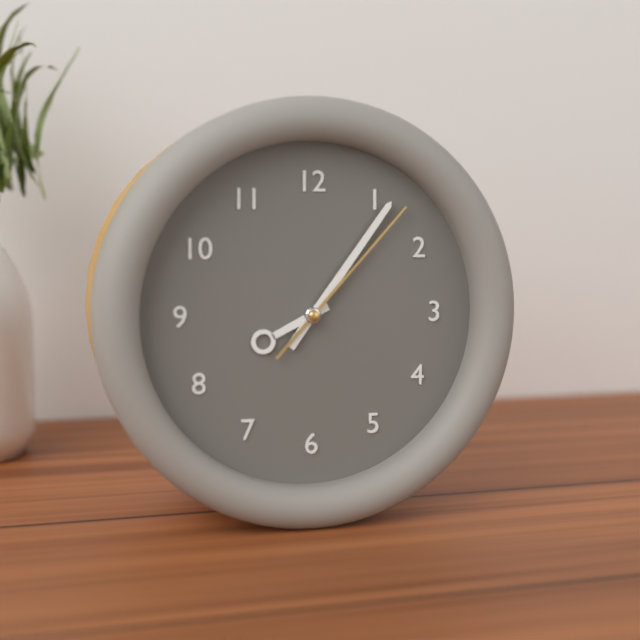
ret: 8:06:07
